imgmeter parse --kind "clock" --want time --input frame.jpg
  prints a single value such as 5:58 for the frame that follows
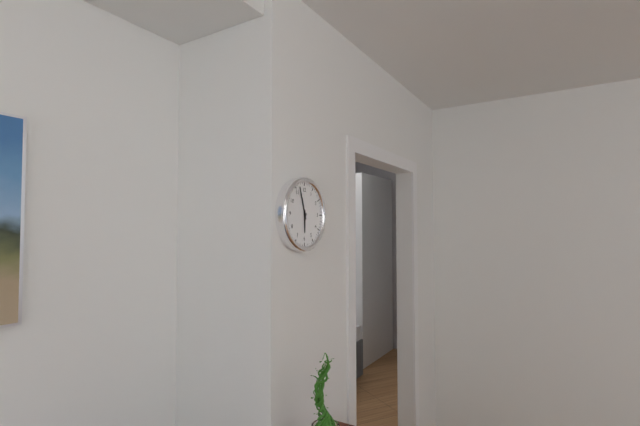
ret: 5:57
